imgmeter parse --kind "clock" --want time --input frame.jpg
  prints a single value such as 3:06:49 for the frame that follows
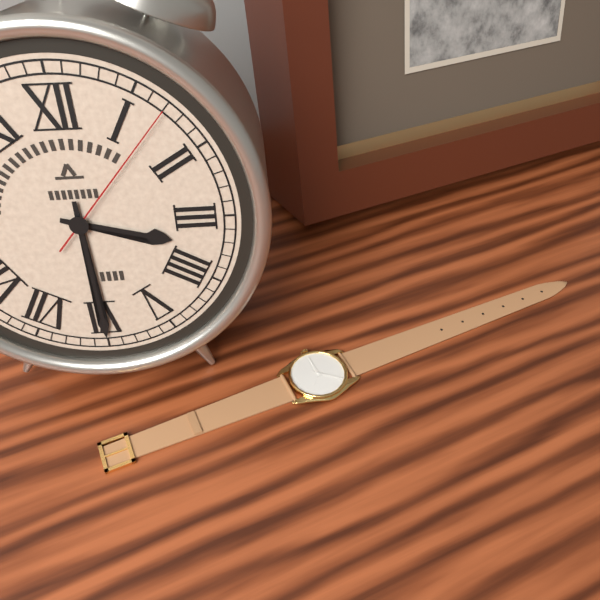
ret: 3:30:07
